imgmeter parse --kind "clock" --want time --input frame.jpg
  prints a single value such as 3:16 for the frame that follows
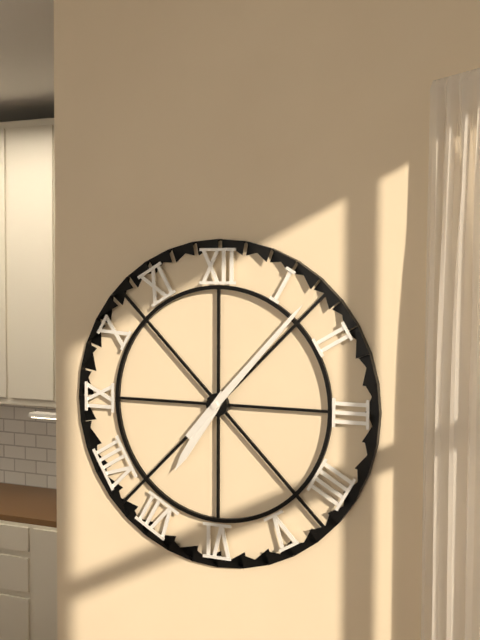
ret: 7:07
